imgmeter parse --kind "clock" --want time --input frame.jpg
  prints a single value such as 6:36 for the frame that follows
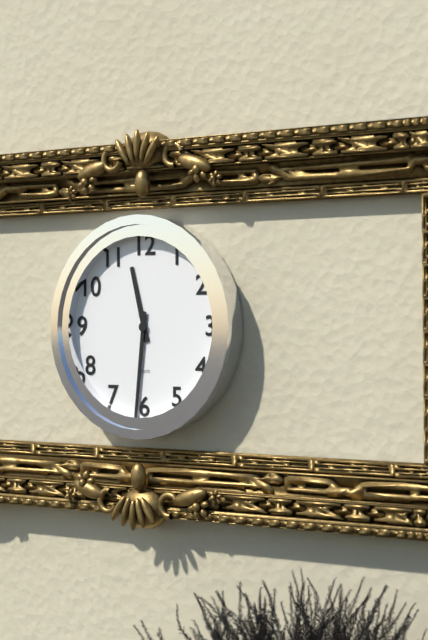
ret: 11:31
